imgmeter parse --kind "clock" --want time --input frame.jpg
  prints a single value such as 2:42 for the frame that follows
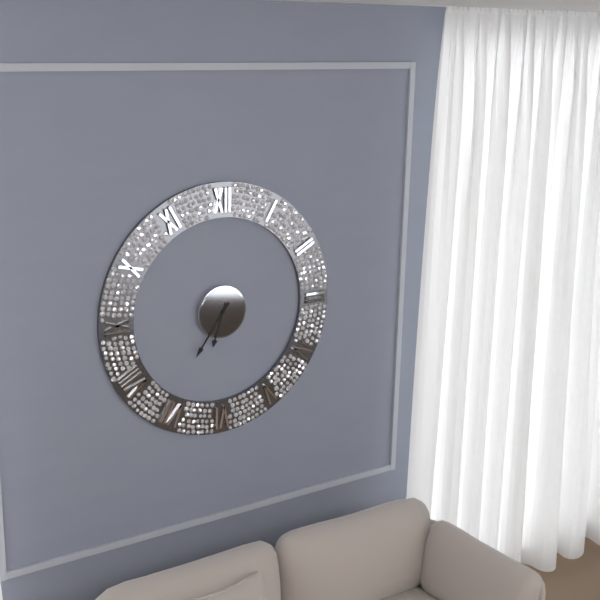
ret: 6:36
